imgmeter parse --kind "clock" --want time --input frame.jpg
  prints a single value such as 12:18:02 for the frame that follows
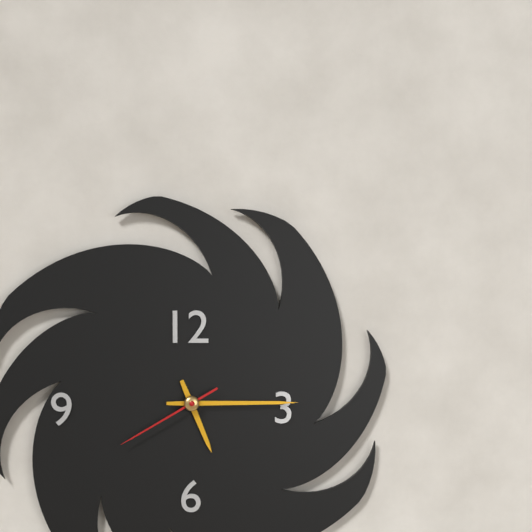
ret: 5:15:40
